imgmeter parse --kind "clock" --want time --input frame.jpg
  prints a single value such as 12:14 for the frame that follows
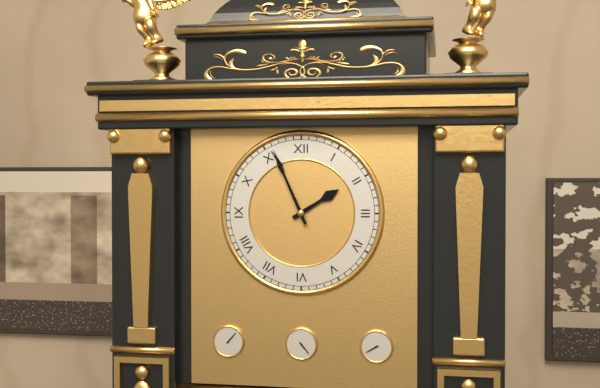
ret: 1:56
